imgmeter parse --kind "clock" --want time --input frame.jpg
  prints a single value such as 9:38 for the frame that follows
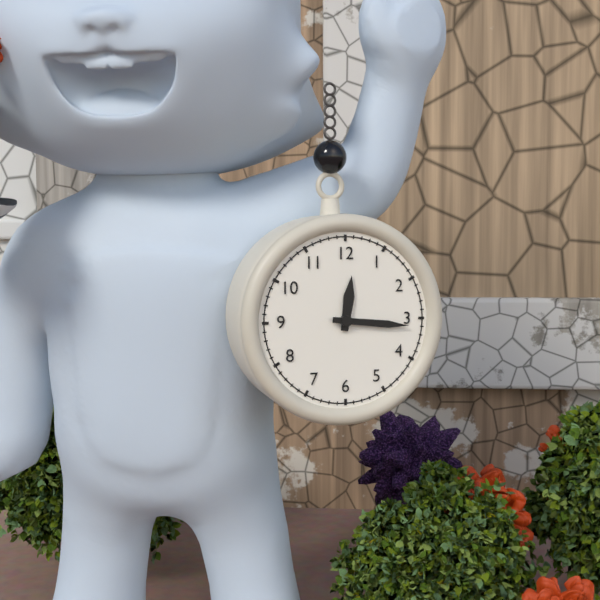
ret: 12:16
